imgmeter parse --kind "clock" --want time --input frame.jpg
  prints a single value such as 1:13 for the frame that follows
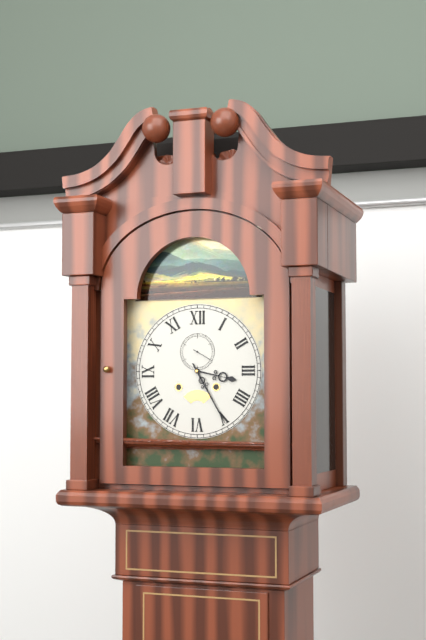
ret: 3:25
